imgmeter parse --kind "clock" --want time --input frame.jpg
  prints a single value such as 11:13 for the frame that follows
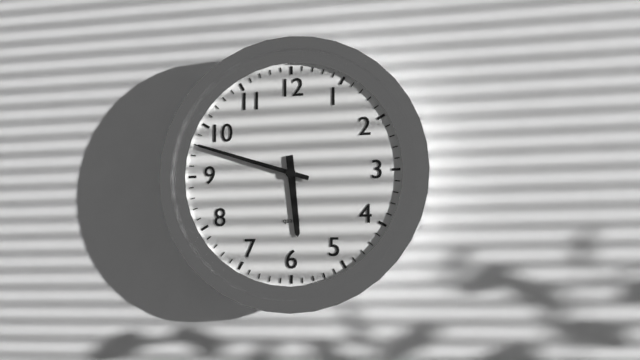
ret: 5:48
